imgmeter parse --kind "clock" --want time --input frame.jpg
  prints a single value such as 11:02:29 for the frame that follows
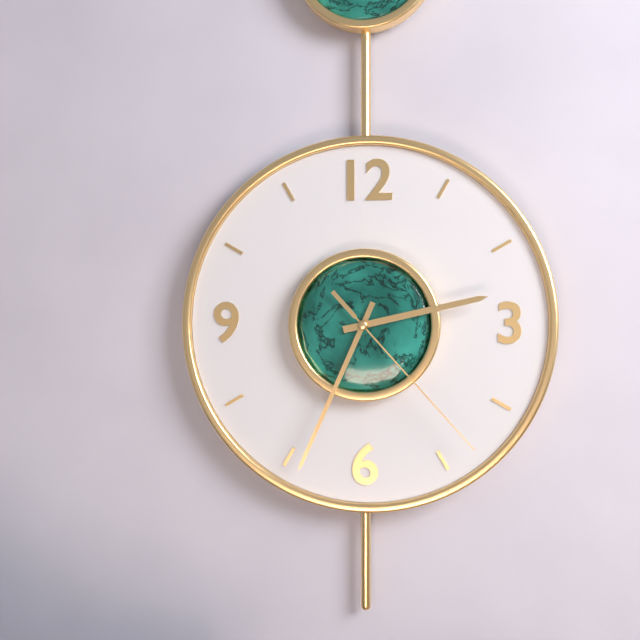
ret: 2:34:23
